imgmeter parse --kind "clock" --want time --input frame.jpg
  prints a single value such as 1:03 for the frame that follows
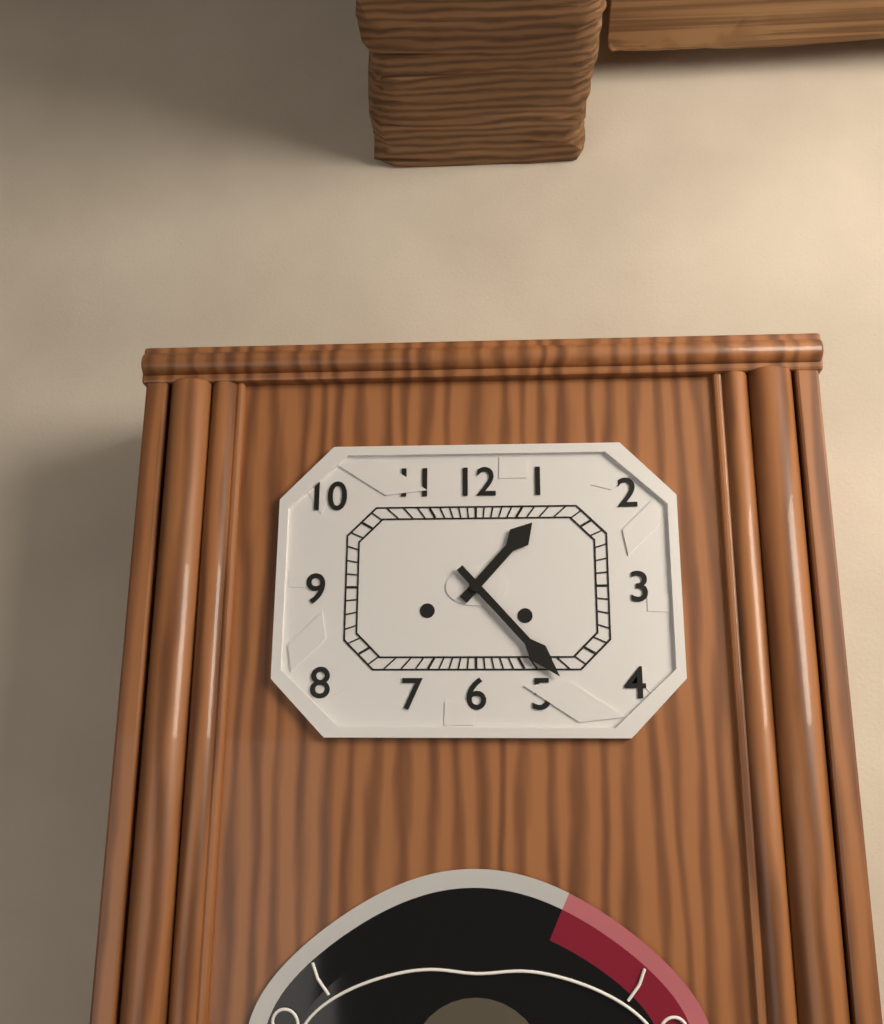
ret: 1:23
